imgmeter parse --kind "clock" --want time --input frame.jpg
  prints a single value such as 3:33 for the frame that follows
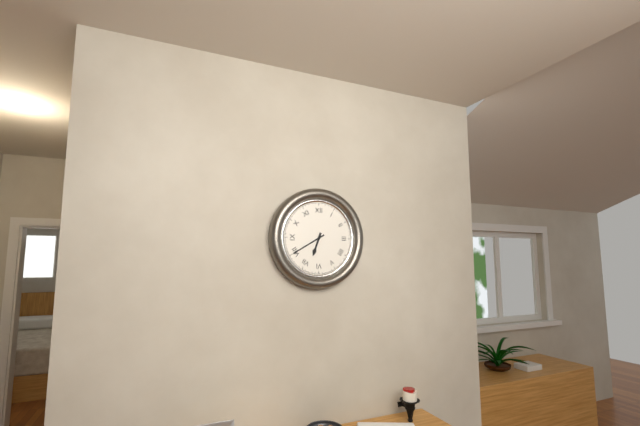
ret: 6:40
